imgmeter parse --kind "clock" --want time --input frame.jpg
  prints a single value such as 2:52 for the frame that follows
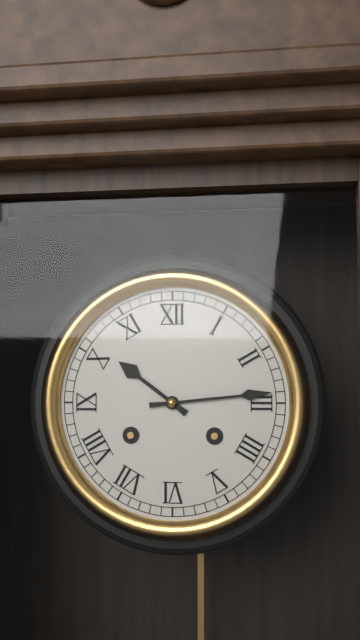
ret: 10:14
